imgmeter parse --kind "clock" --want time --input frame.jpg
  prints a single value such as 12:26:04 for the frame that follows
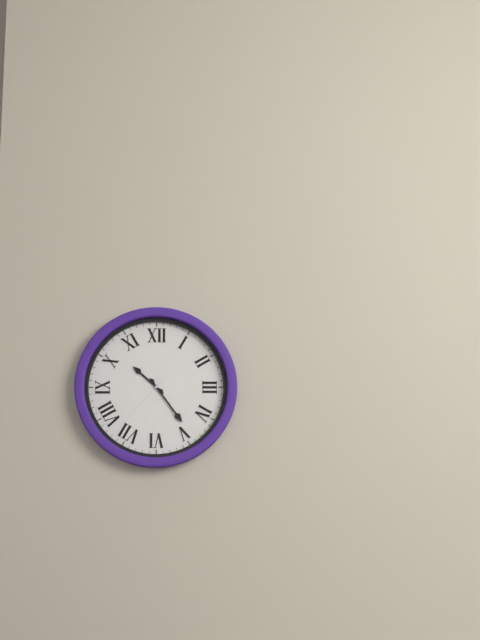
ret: 10:24:37
